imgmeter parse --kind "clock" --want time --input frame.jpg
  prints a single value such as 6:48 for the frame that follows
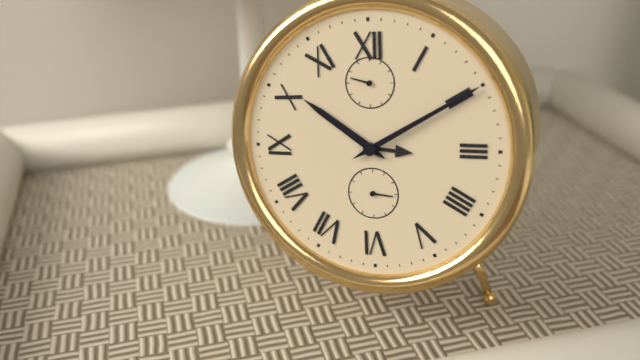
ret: 10:10
